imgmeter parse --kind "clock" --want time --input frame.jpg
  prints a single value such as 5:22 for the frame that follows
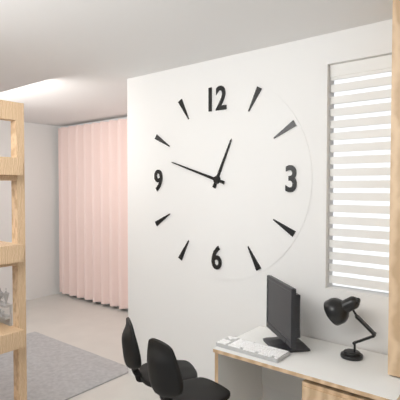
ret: 12:48
